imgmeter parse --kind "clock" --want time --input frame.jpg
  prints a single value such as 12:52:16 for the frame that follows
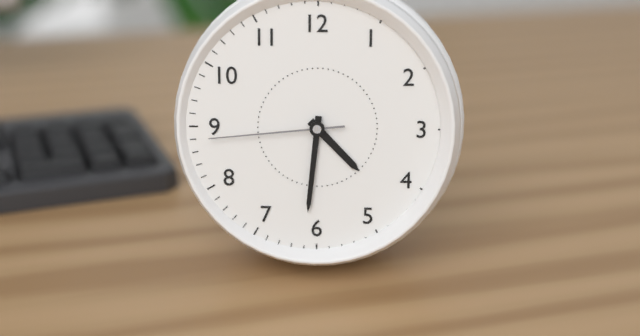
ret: 4:31:44
